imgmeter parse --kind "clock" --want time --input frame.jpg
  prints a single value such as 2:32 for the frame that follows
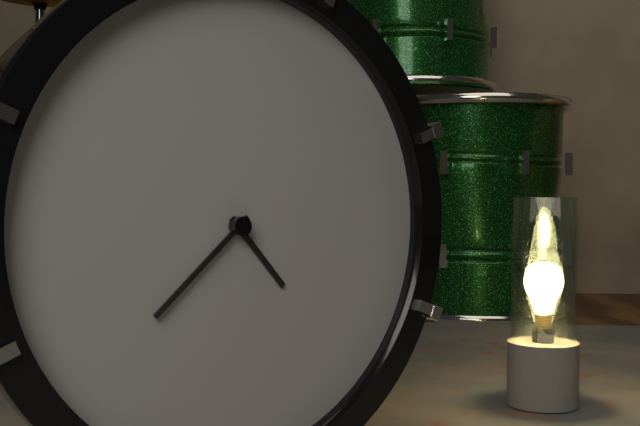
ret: 4:38
